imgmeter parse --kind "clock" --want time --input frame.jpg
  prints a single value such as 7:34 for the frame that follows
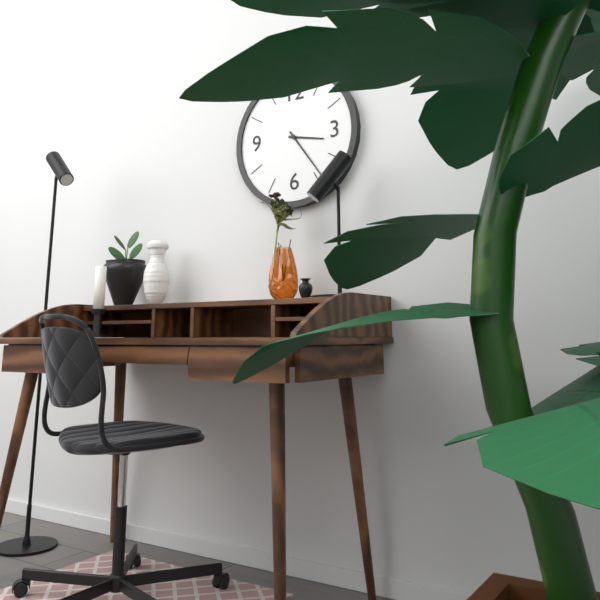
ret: 3:24
